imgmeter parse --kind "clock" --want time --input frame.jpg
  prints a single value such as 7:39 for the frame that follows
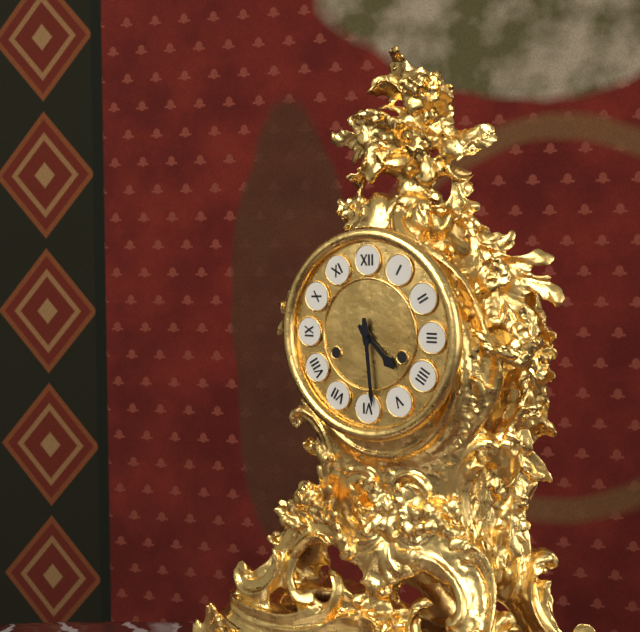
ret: 4:29
